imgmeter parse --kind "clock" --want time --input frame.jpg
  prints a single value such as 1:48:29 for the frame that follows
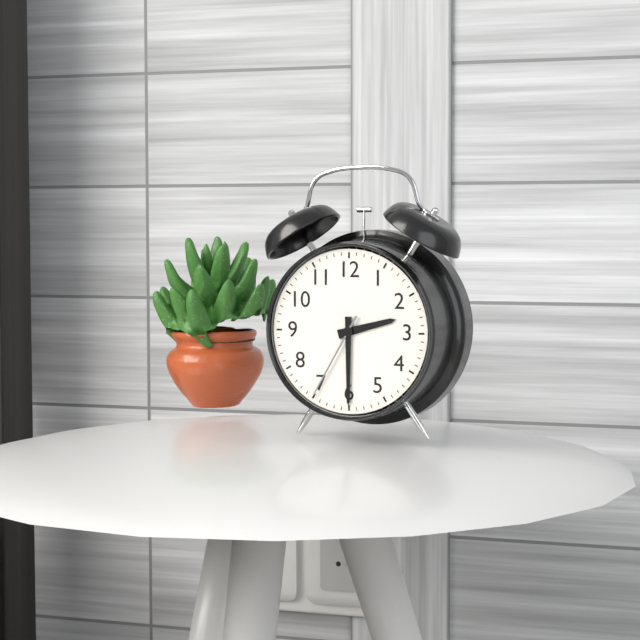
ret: 2:30:35
